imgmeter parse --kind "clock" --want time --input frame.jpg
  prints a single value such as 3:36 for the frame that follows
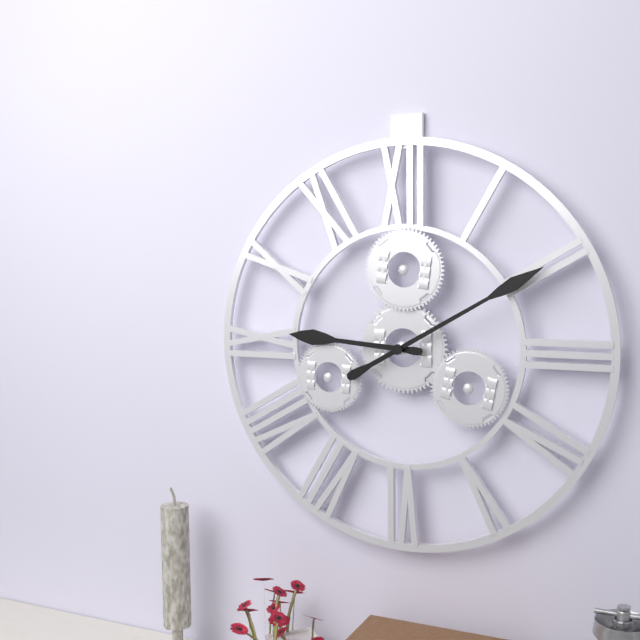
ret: 9:10
